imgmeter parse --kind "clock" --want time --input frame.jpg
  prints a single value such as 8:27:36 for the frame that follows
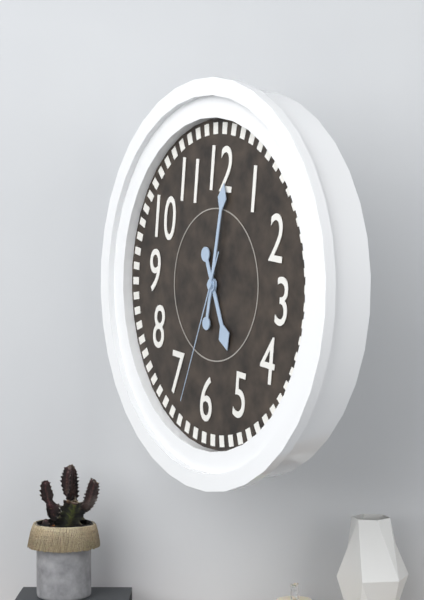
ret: 5:01:33
